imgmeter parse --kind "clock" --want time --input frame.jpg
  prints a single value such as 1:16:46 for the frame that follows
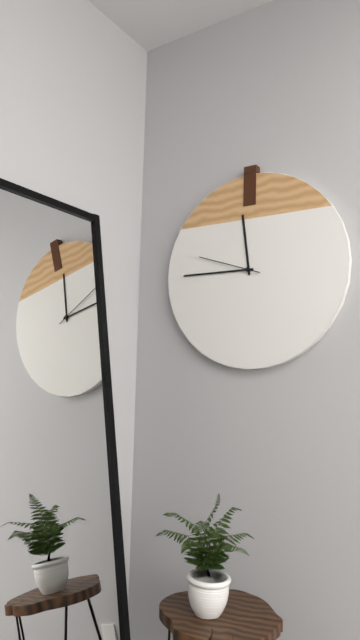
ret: 11:45:48
